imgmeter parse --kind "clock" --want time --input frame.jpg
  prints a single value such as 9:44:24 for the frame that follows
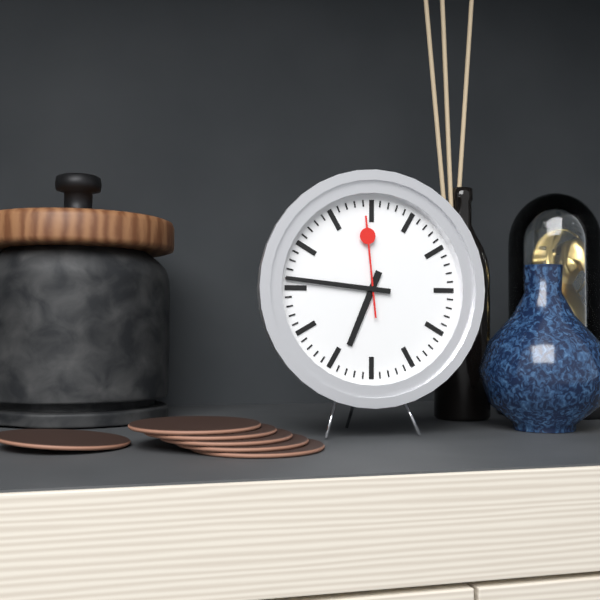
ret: 6:46:59
